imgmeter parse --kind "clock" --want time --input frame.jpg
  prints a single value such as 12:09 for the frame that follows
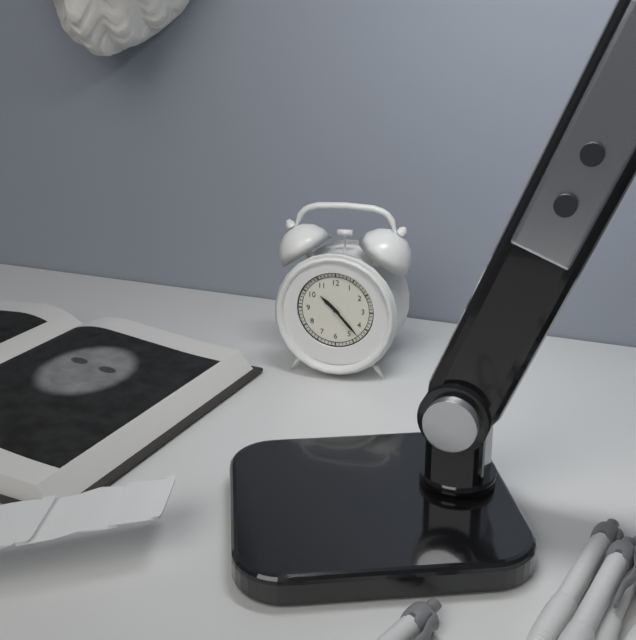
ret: 10:23
